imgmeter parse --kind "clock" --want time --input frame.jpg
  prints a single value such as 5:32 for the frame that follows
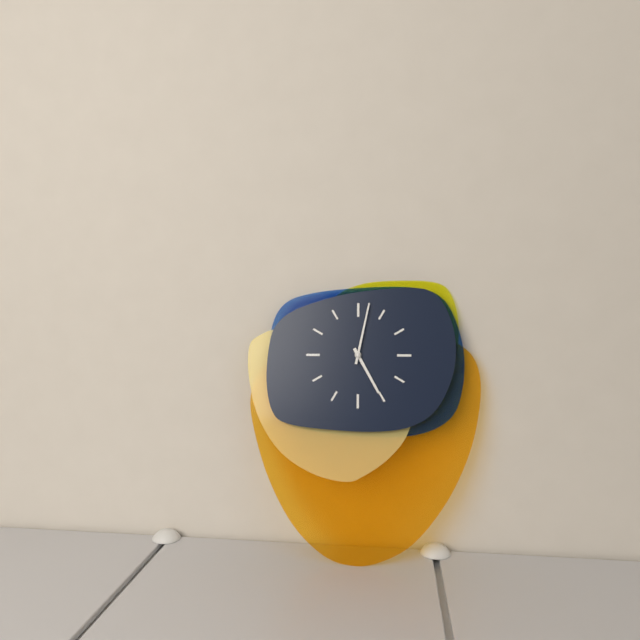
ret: 5:02
